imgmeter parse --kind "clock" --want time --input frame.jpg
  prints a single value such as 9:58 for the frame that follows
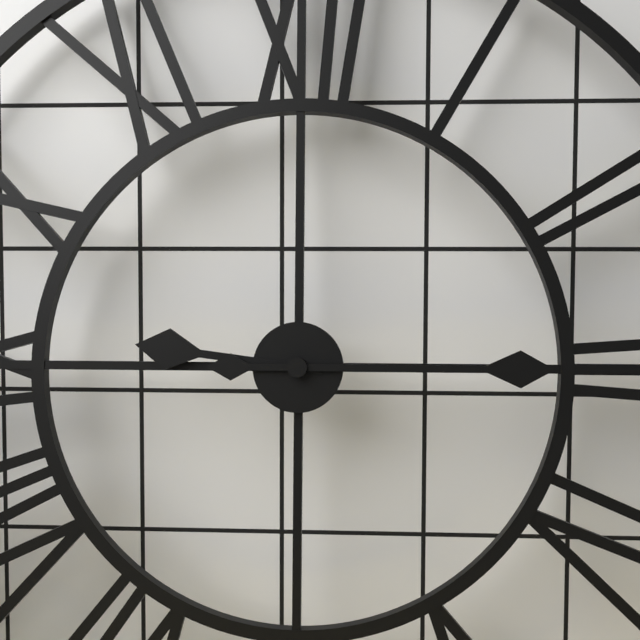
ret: 9:15
